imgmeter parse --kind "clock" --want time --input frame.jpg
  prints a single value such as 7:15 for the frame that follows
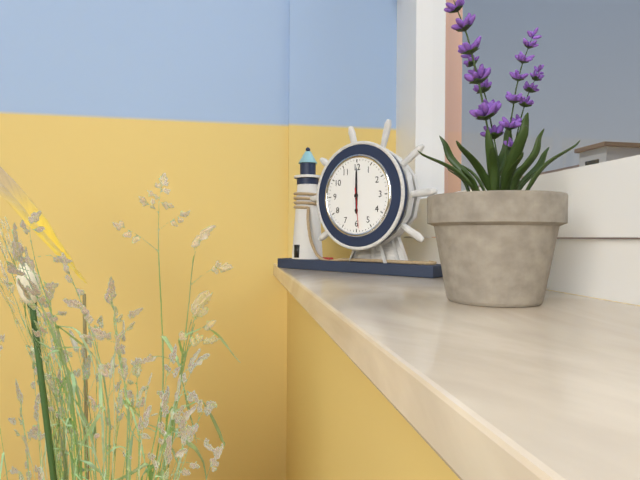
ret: 6:00
